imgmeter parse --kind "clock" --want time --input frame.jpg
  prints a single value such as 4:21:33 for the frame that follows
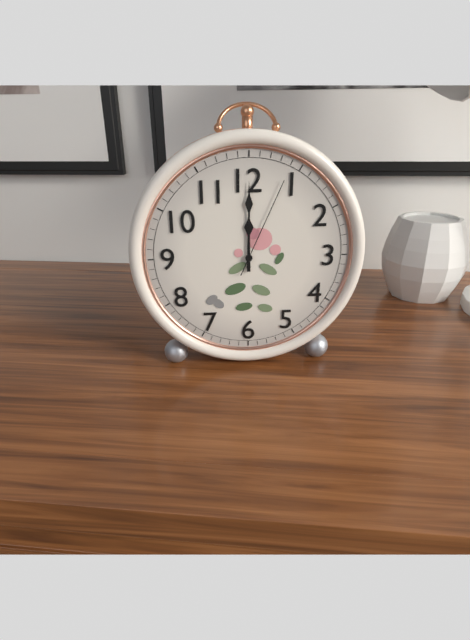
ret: 12:00:04
